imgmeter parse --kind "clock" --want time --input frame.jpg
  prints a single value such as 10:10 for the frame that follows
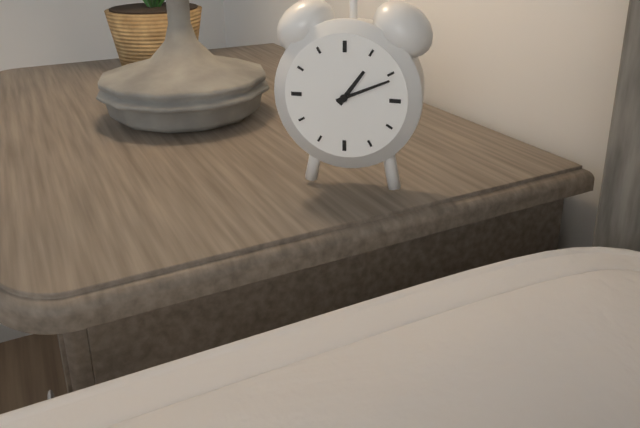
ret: 1:11
